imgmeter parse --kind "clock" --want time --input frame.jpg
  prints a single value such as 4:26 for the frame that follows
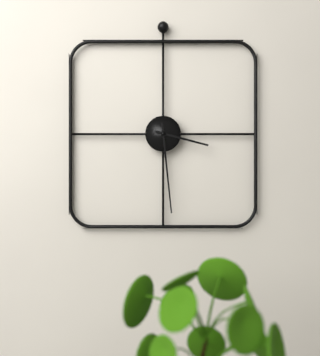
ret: 3:29
